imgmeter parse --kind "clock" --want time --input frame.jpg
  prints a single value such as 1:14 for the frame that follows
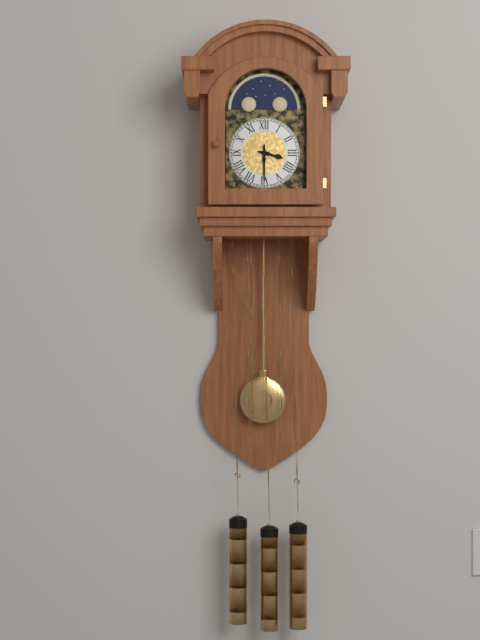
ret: 3:30
